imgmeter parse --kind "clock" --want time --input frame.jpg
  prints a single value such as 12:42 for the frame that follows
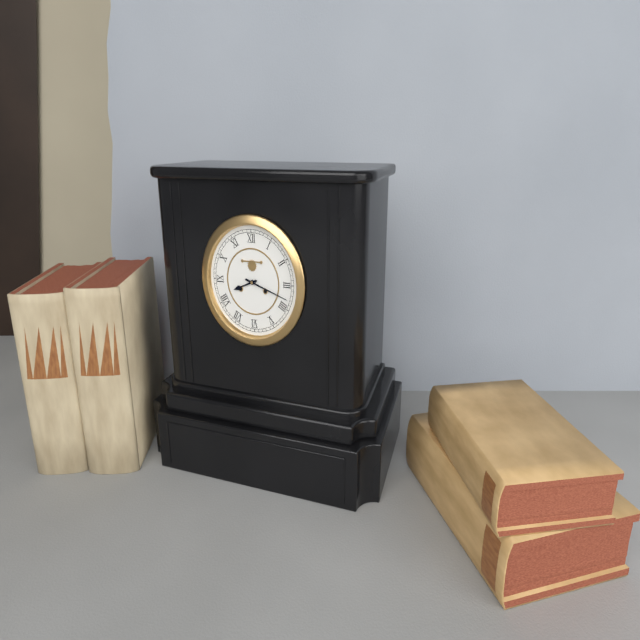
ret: 8:18
